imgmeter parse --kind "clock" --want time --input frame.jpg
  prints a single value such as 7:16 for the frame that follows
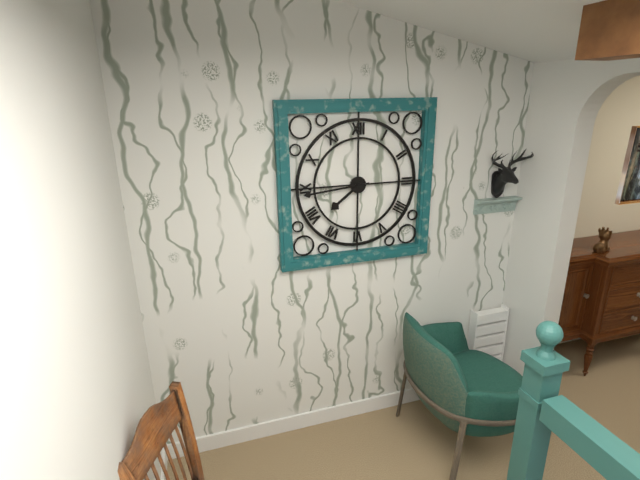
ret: 7:44
